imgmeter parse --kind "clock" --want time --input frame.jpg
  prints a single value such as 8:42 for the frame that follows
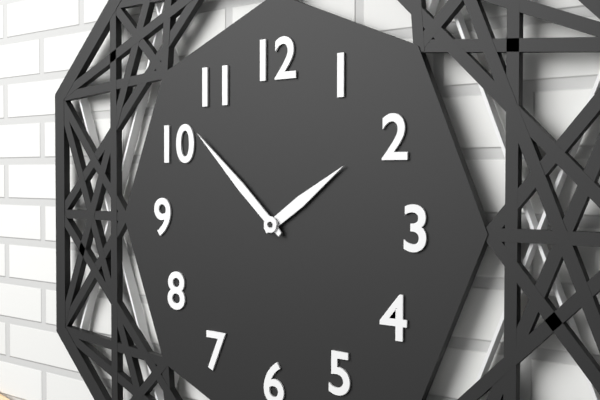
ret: 1:52
